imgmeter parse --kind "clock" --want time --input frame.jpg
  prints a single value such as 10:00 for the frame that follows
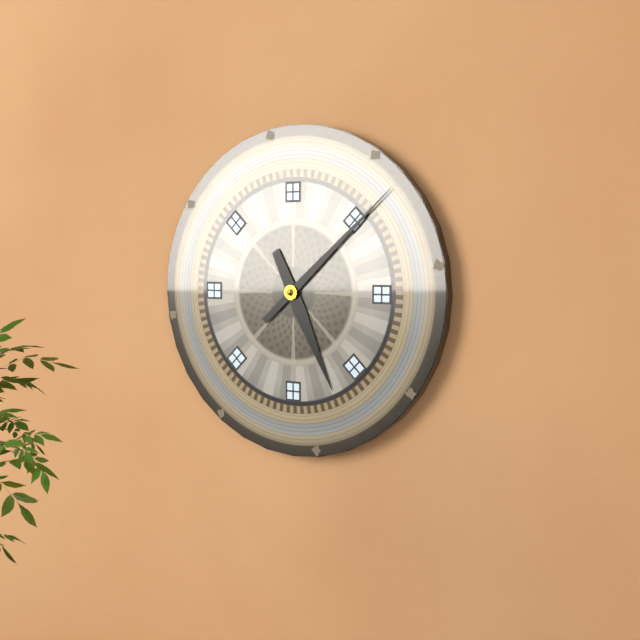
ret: 5:08
